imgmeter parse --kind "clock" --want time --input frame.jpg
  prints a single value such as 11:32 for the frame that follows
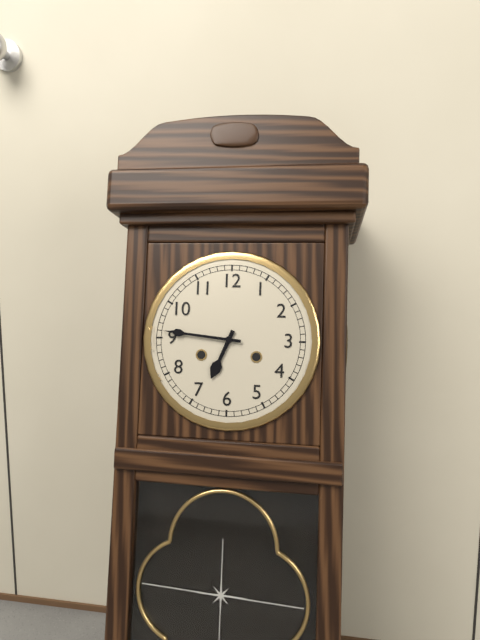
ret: 6:46
